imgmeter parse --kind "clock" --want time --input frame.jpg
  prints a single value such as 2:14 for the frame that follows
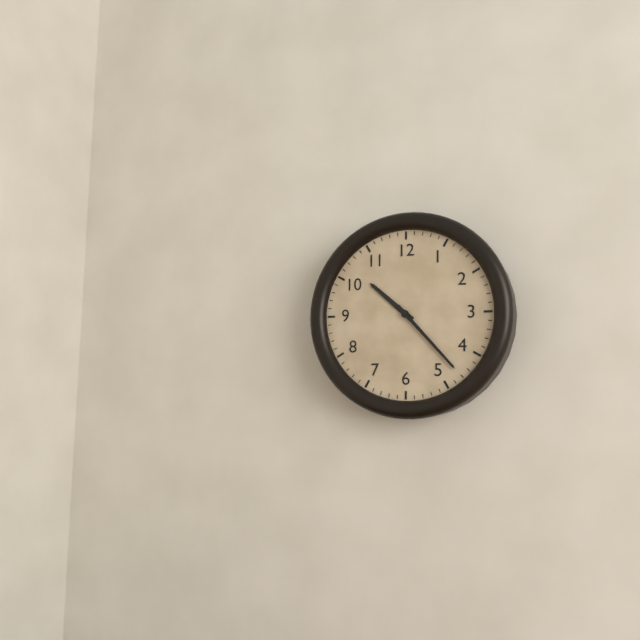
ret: 10:23
